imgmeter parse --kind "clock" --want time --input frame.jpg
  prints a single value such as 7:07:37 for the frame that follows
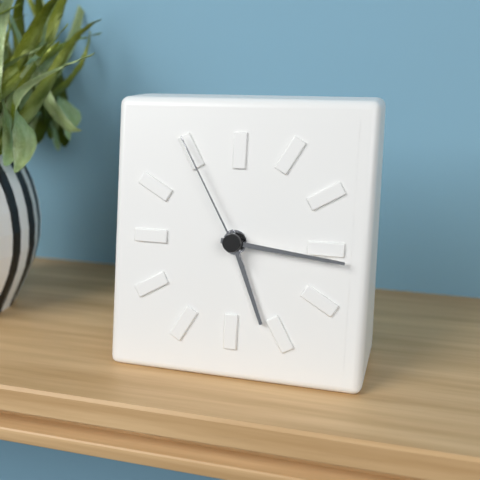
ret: 5:16:55
